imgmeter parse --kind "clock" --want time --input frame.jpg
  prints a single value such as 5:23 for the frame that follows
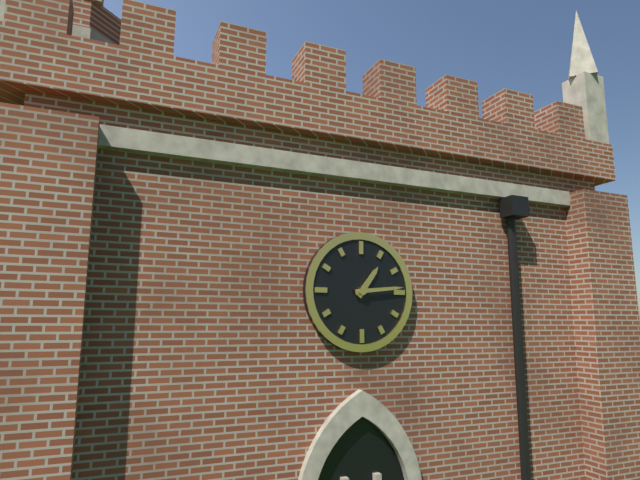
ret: 1:14
